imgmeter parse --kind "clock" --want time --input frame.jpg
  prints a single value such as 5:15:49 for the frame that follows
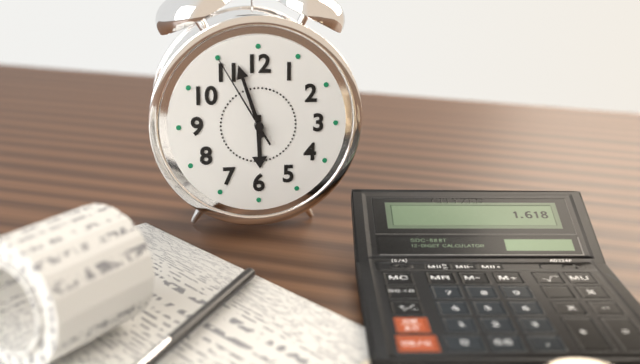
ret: 5:57:55
